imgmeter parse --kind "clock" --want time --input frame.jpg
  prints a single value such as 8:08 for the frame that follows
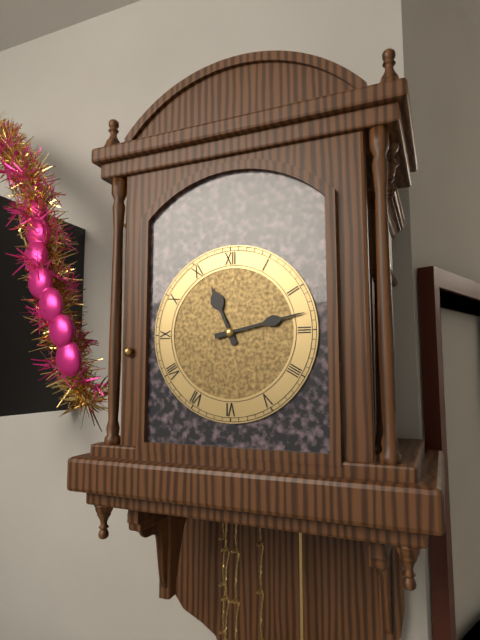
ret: 11:13
